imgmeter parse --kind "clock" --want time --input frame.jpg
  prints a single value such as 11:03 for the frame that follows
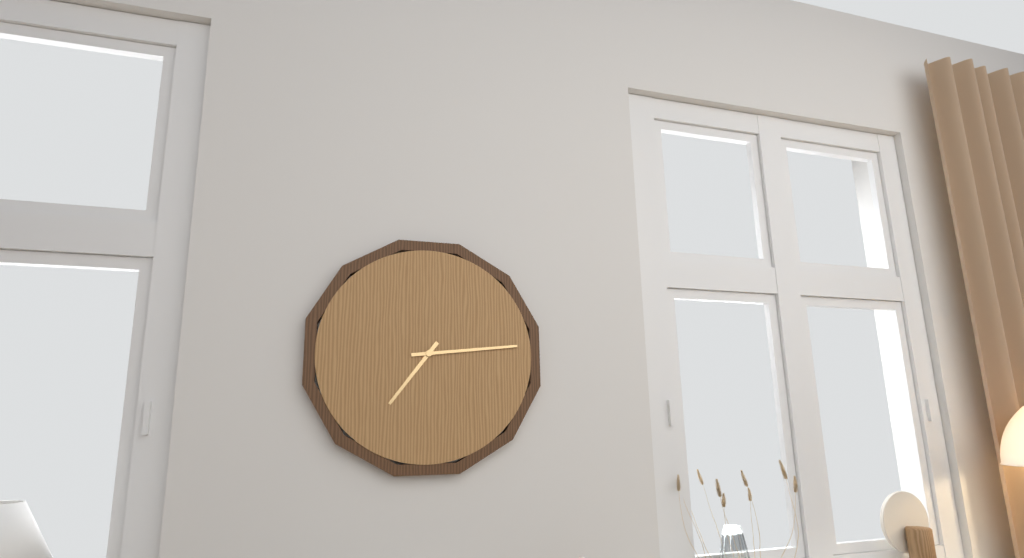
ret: 7:14
